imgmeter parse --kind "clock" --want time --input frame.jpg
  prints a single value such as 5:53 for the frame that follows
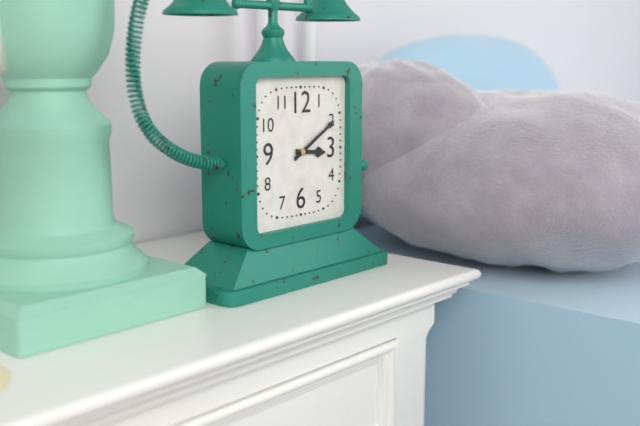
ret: 3:10
